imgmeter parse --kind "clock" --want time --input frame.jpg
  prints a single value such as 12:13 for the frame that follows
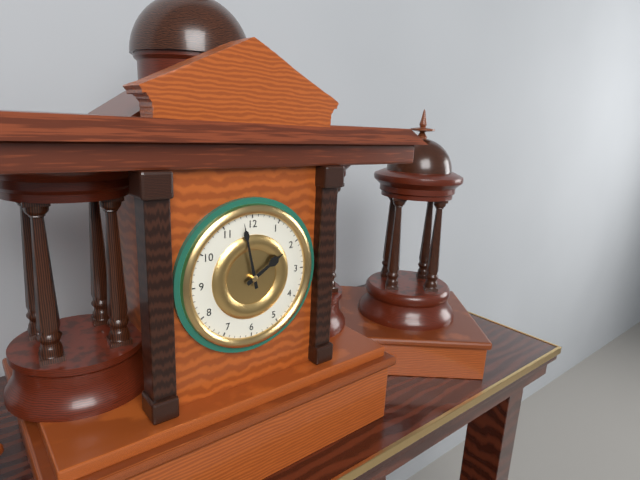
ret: 1:58
